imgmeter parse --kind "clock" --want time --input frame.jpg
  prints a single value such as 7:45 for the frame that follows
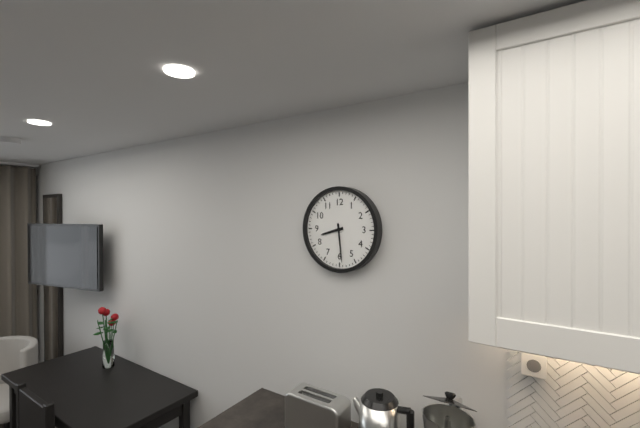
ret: 8:29
